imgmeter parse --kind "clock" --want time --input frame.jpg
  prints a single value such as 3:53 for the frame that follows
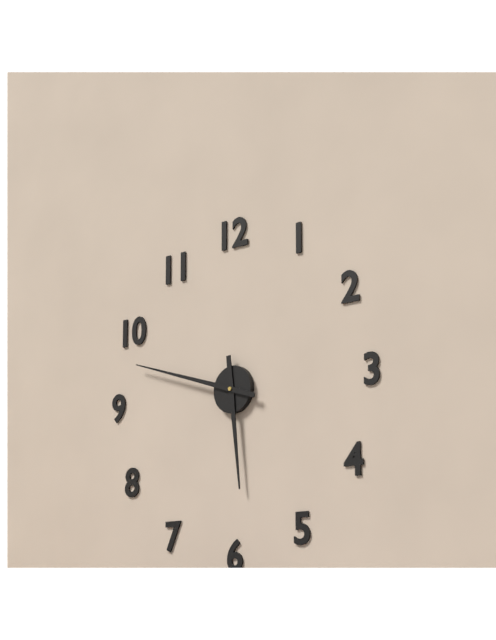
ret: 5:48
